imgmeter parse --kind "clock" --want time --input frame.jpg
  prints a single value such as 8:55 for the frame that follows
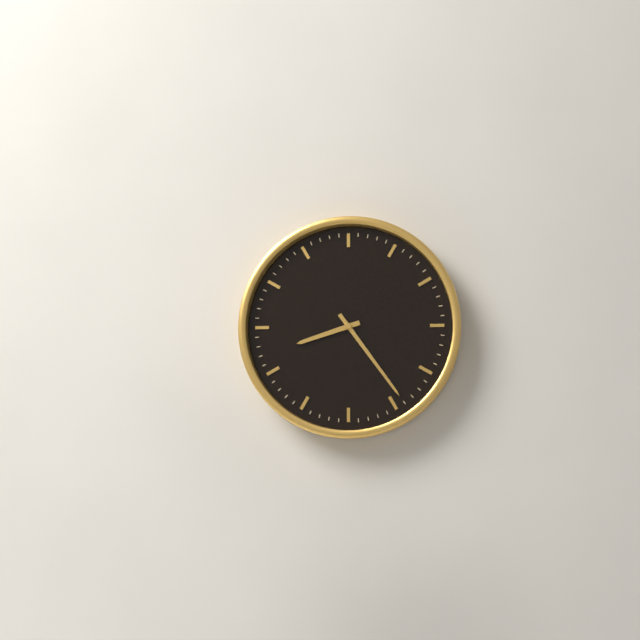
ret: 8:24
